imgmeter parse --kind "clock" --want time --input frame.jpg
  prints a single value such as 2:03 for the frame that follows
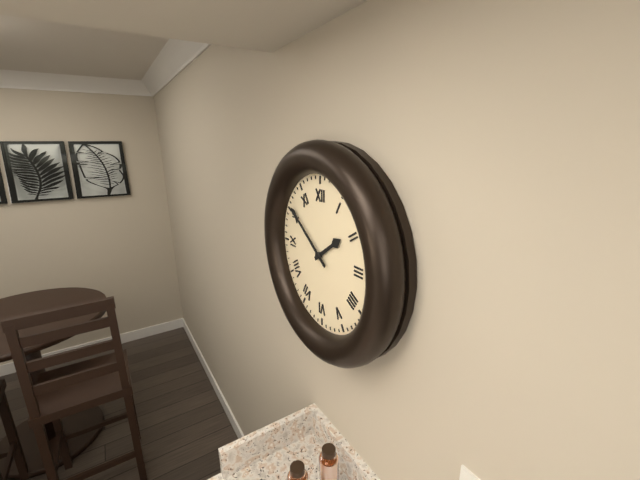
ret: 1:51
